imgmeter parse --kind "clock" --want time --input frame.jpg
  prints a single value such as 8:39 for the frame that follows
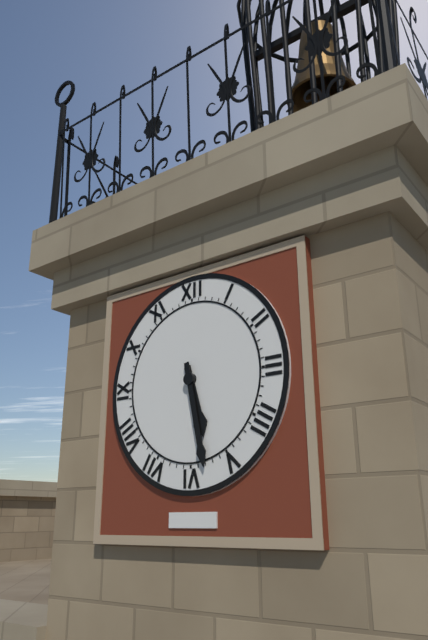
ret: 5:28
